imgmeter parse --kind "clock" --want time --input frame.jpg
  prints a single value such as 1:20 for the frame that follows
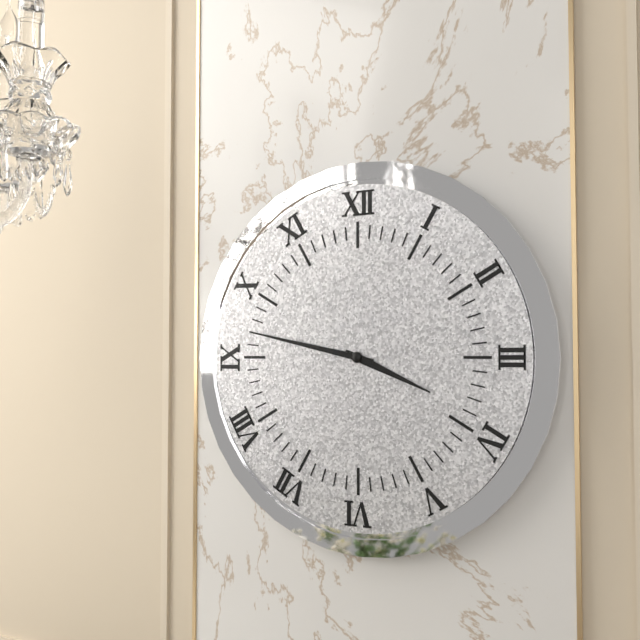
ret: 3:47
